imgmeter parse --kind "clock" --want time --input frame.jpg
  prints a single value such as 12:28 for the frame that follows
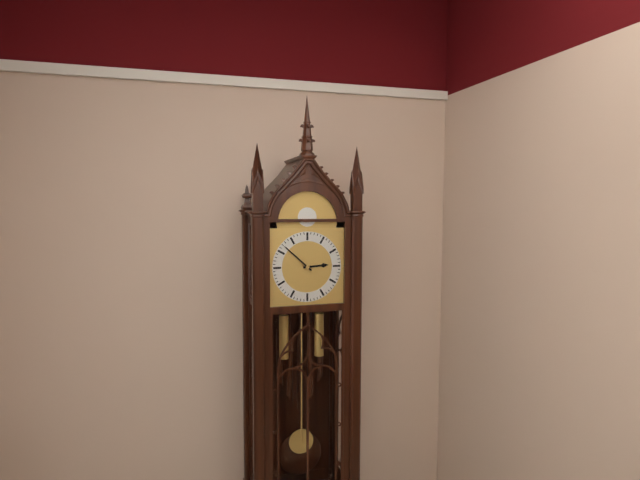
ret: 2:52
